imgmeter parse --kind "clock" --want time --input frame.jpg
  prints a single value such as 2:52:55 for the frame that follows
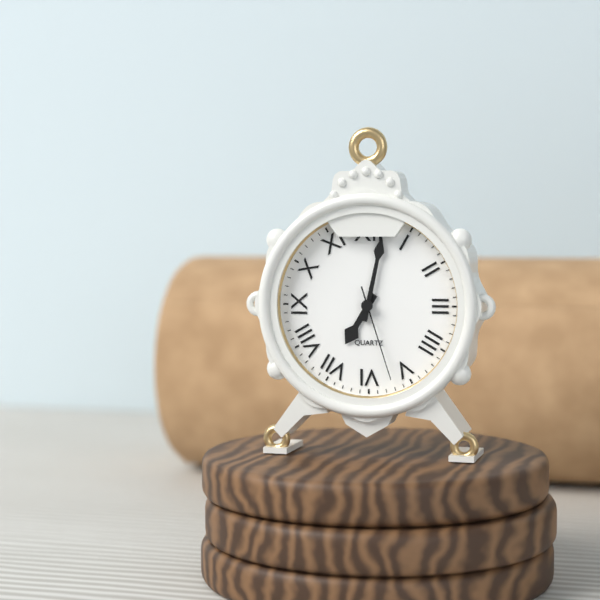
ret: 7:02:27
